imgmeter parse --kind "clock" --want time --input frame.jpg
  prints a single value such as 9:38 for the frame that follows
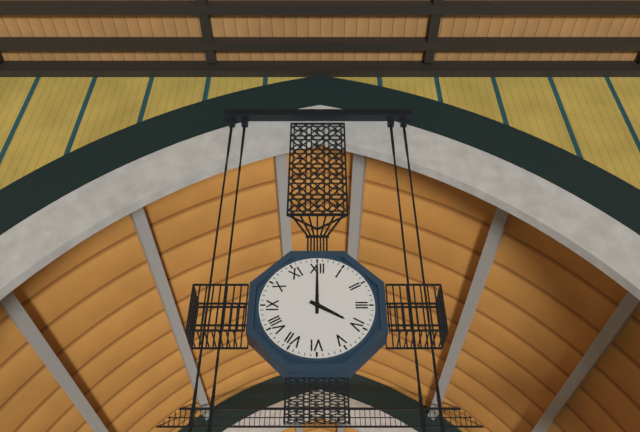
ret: 4:00
